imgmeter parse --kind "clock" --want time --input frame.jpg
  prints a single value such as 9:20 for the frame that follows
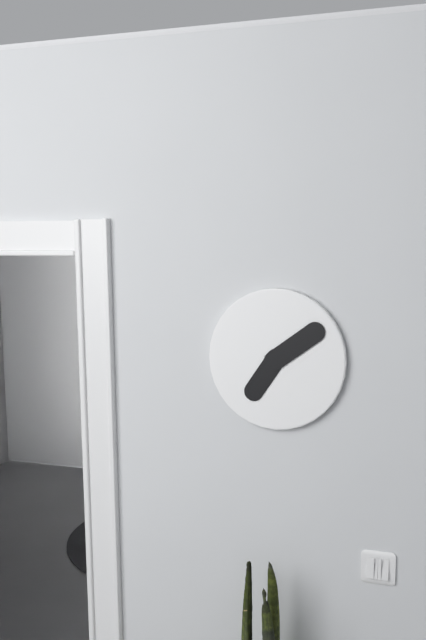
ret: 7:09
